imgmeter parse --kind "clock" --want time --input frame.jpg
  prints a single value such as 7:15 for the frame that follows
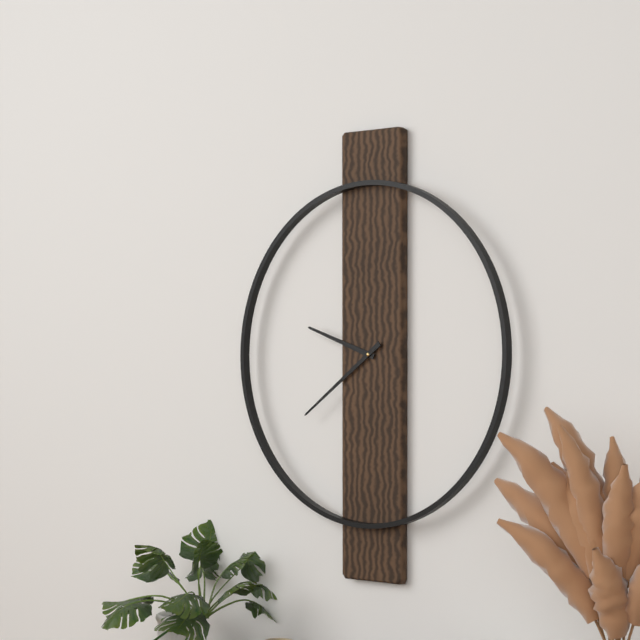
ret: 9:39
